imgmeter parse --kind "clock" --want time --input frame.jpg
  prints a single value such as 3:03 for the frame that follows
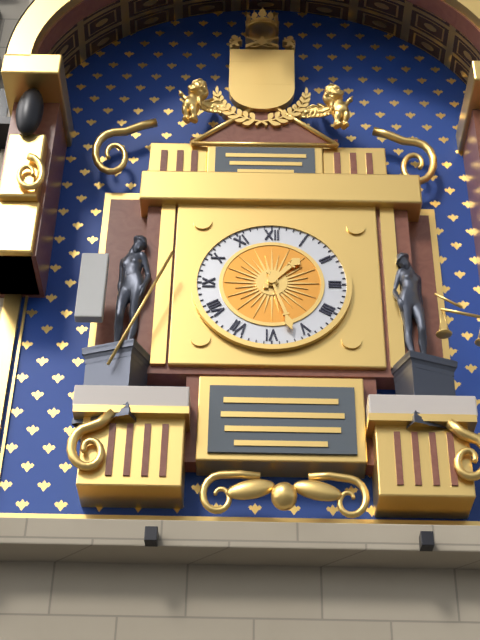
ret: 1:27
